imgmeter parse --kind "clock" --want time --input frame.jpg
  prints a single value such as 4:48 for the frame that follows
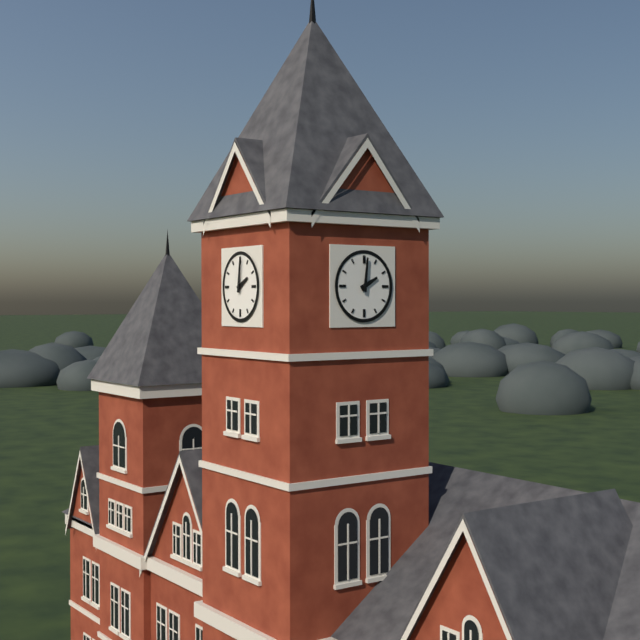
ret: 2:01
